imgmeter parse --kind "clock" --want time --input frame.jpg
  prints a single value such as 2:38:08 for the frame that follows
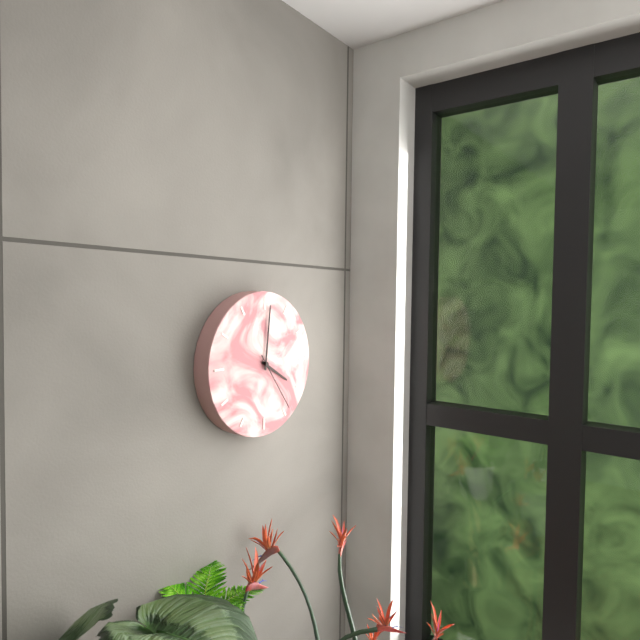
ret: 4:01:24
